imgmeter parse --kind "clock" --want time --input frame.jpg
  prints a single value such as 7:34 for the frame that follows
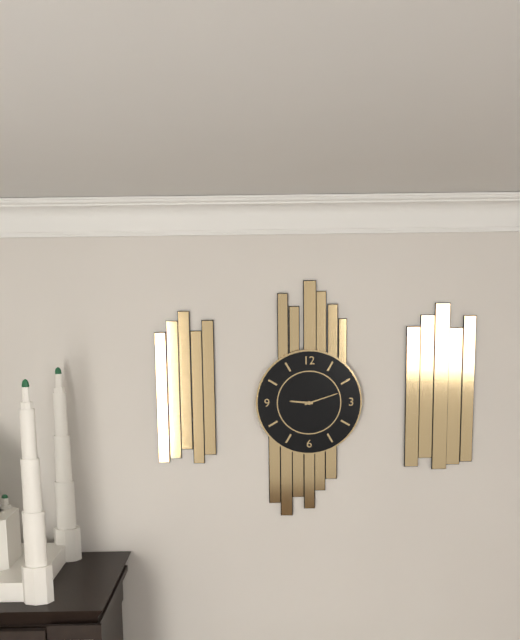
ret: 9:12
